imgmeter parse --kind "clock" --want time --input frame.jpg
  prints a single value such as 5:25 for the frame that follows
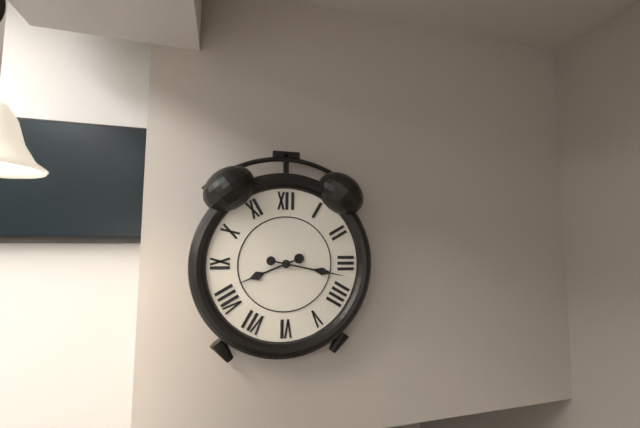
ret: 8:17
